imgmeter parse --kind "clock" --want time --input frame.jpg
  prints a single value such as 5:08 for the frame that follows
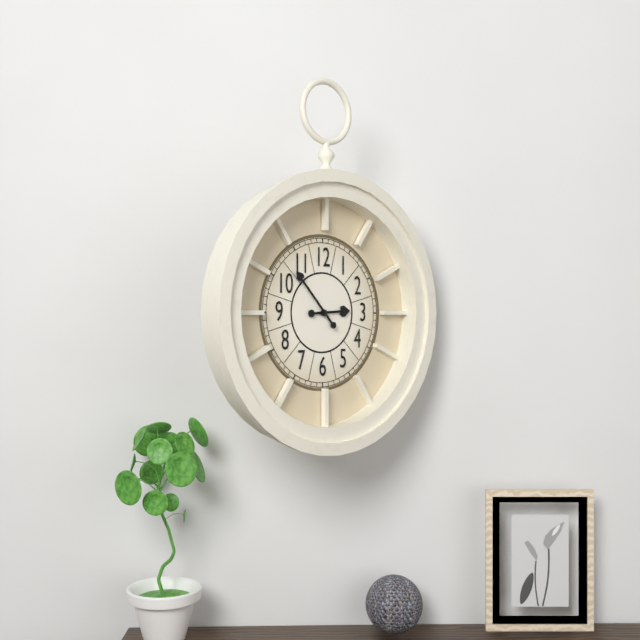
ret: 2:53
